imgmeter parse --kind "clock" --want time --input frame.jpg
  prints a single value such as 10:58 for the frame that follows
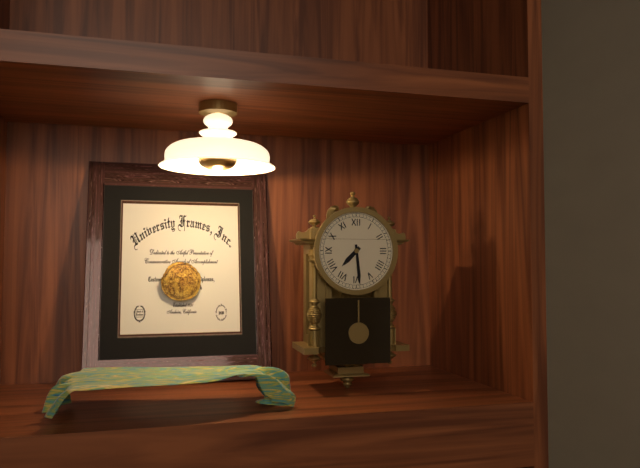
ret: 7:29
